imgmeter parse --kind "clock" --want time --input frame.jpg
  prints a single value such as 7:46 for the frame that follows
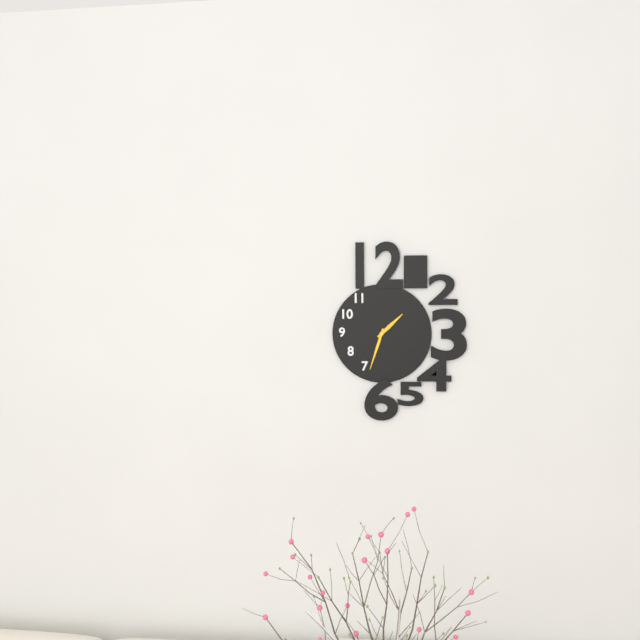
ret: 1:33
